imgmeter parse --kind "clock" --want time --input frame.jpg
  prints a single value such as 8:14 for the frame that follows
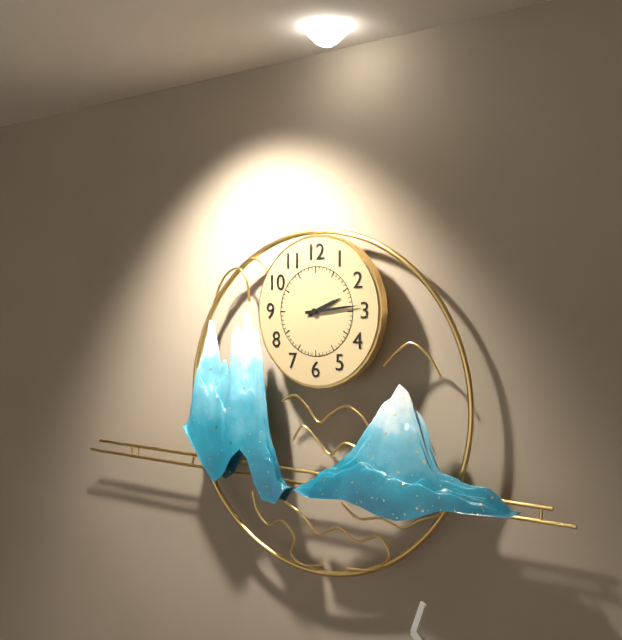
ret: 2:14
